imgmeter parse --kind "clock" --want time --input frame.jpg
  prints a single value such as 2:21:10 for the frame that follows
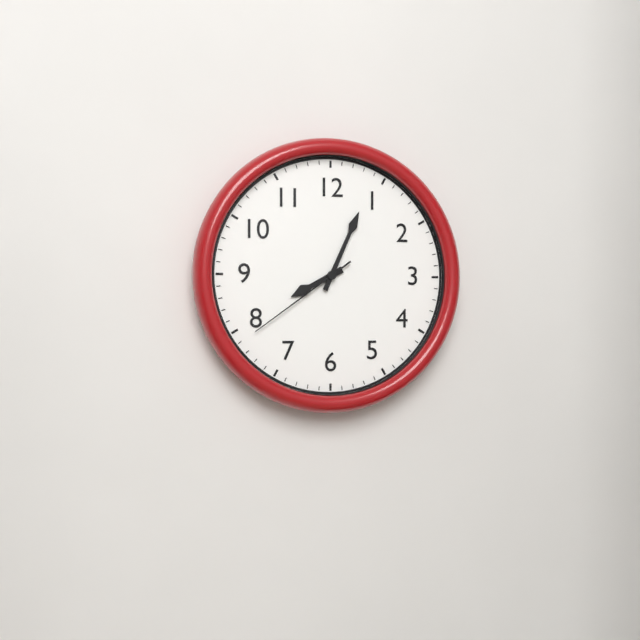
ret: 8:04:39
